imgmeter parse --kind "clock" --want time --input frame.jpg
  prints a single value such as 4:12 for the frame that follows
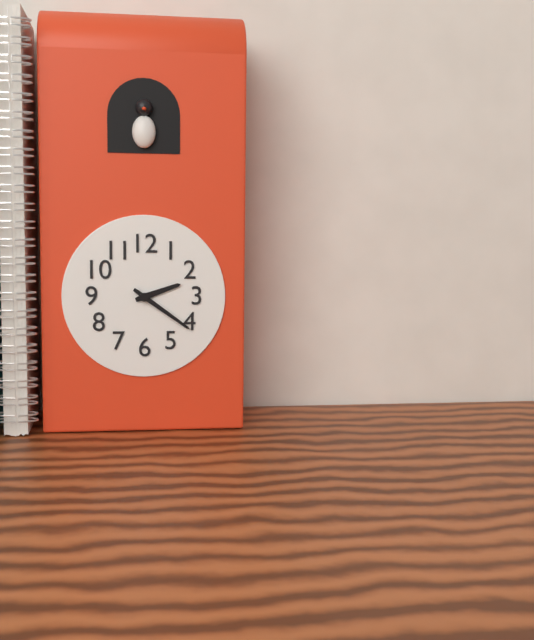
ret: 2:21
